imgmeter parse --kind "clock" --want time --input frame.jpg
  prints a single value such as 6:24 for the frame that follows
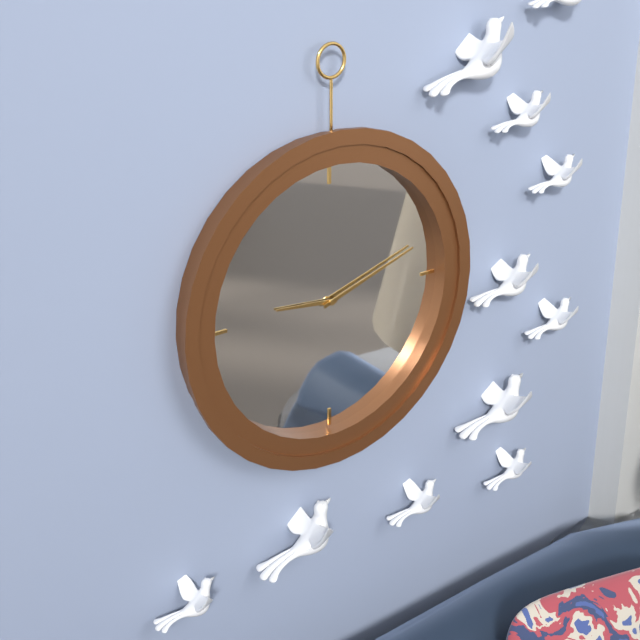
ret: 9:12
